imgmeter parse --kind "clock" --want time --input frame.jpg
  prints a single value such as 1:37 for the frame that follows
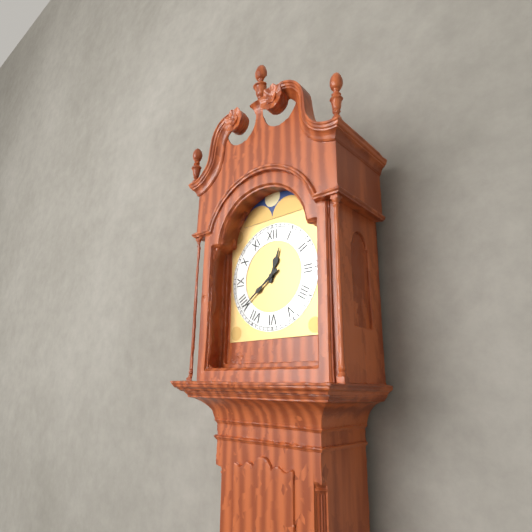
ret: 12:39
